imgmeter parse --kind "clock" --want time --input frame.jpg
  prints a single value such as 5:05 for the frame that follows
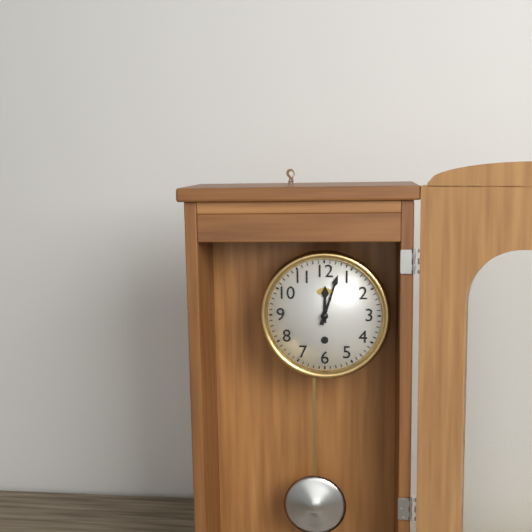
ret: 12:03
